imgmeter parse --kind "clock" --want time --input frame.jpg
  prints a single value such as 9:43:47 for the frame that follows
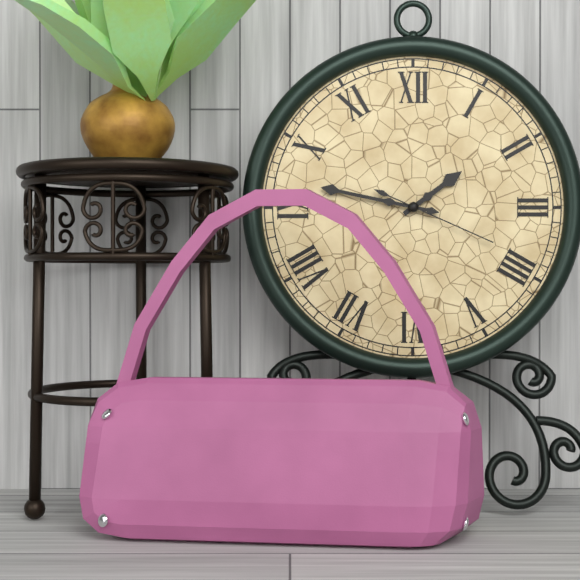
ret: 1:47:19
